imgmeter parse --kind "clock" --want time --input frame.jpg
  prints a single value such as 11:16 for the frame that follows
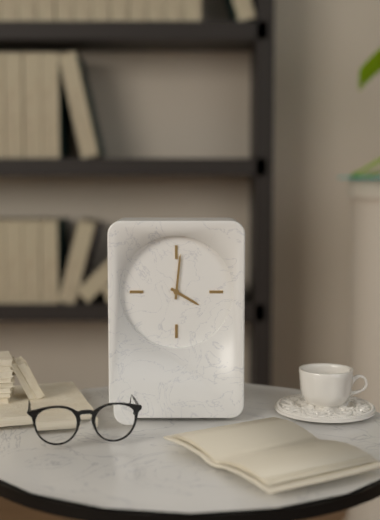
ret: 4:01
